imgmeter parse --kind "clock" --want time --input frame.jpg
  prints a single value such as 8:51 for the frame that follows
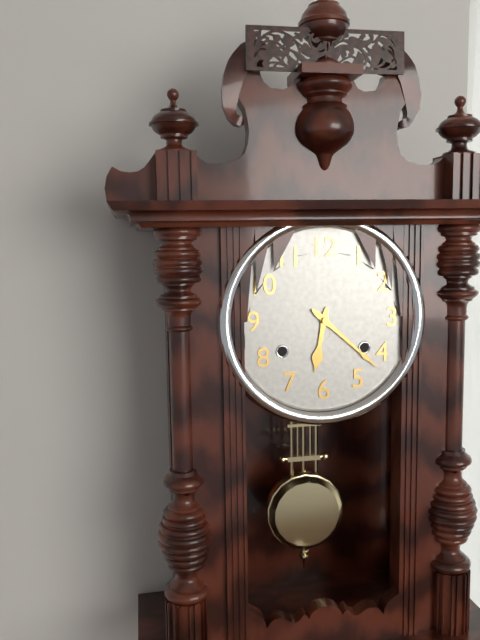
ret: 6:22
